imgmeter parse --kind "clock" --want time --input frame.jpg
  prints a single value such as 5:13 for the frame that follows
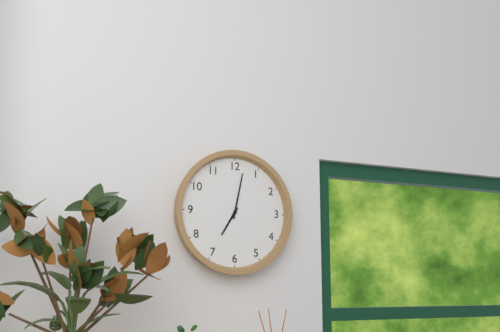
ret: 7:02
